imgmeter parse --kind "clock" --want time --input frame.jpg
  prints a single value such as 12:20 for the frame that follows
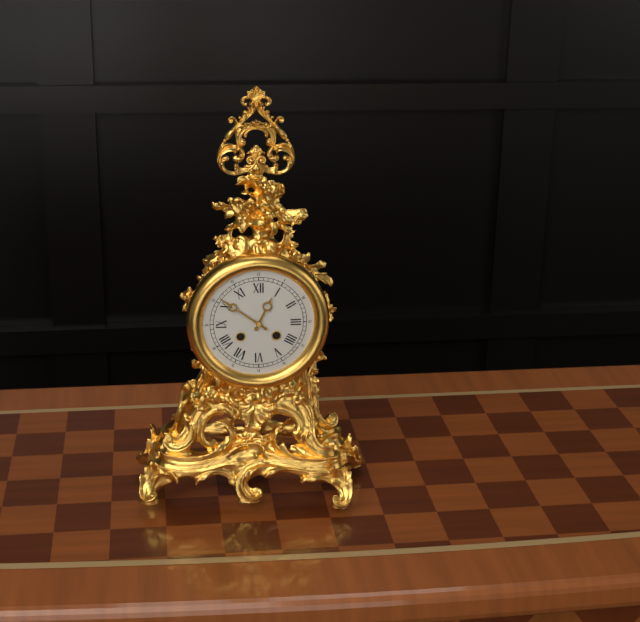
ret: 12:51
